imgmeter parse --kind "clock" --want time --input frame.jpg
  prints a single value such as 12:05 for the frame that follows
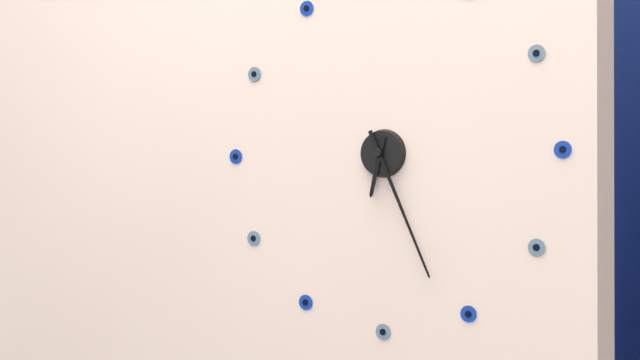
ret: 6:26
